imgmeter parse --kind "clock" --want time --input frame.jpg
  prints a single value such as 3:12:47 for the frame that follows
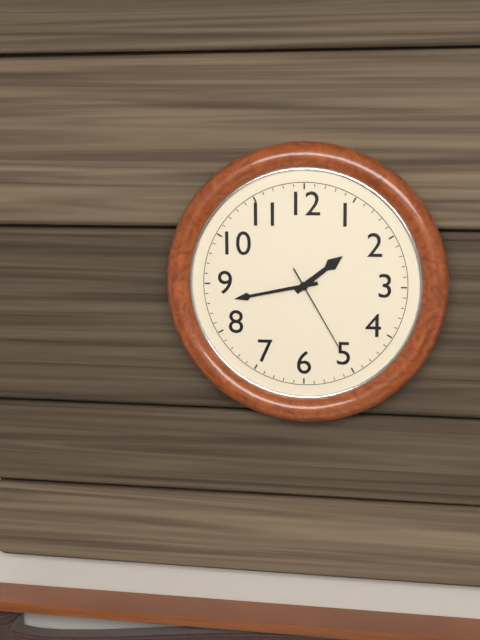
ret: 1:43:25
